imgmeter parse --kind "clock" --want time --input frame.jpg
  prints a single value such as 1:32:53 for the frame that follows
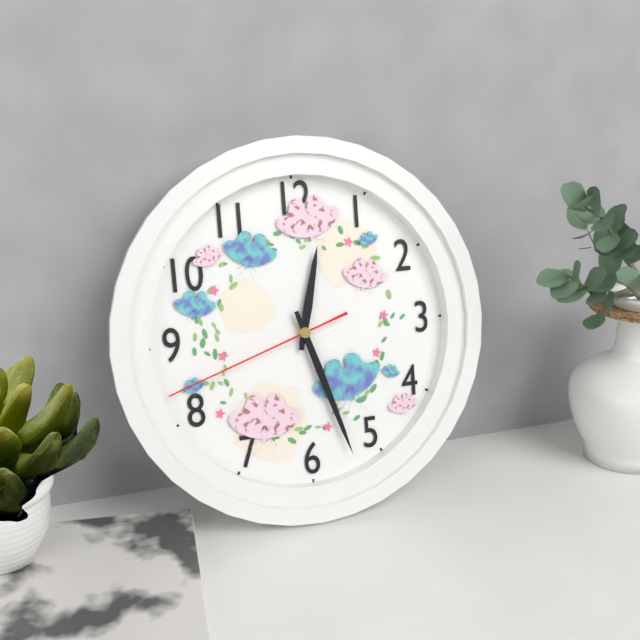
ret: 12:27:42
